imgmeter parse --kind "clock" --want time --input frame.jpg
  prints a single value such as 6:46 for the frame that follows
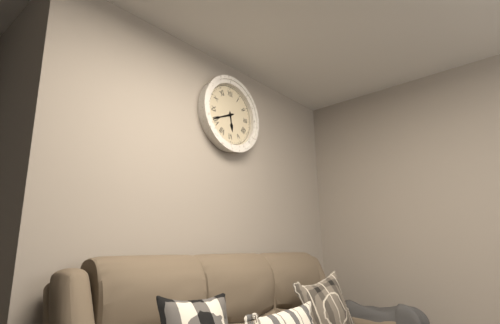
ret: 5:41
